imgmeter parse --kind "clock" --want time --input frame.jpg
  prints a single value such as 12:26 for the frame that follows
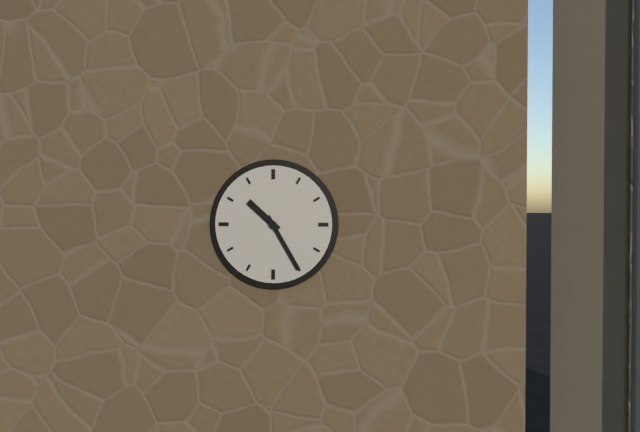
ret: 10:25
